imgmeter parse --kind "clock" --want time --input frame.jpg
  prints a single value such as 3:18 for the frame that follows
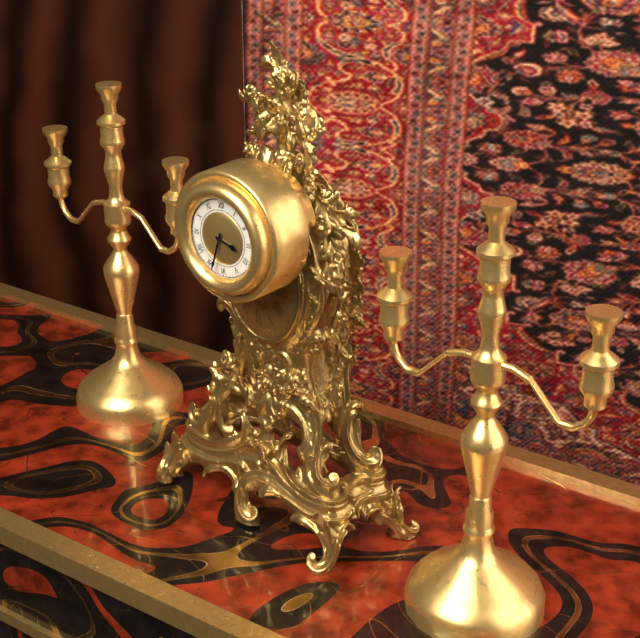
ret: 3:33
